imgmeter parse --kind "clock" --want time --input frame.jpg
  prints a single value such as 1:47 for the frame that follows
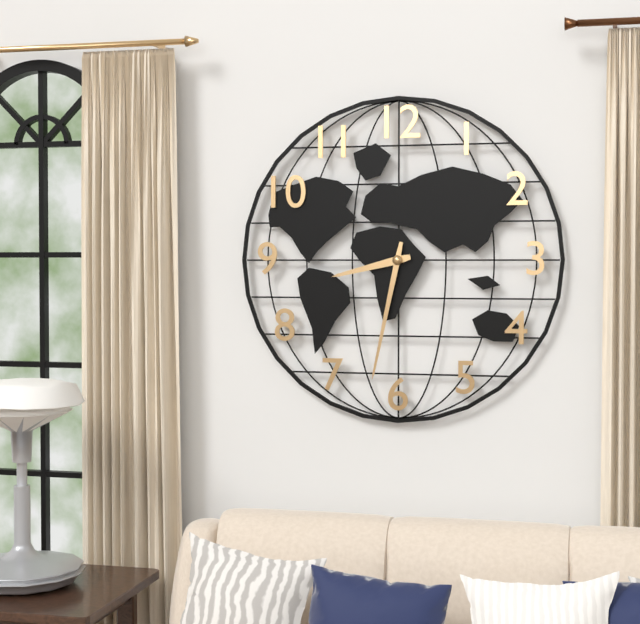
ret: 8:32
